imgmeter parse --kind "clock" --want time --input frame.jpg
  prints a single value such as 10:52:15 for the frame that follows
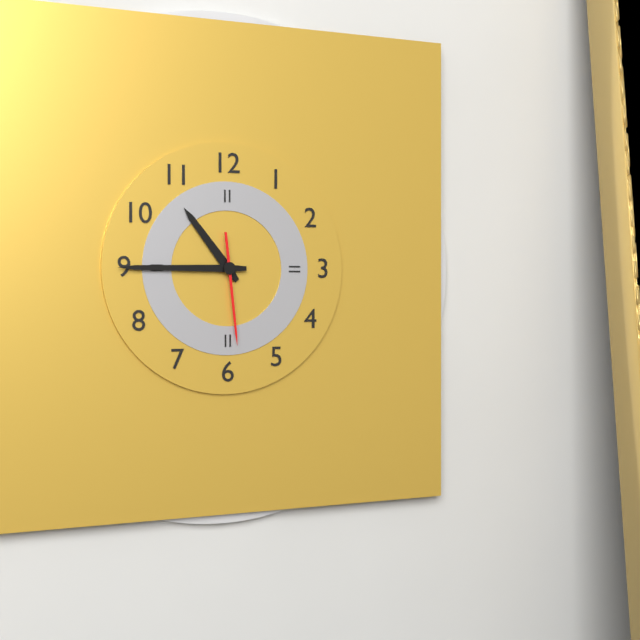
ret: 10:45:29
